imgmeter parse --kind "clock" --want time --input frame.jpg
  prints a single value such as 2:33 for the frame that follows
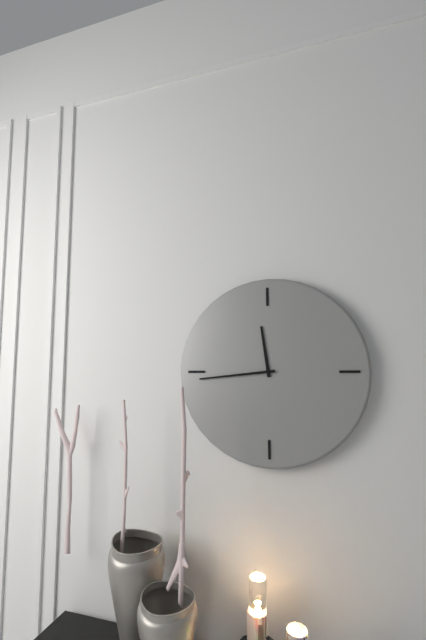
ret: 11:44
